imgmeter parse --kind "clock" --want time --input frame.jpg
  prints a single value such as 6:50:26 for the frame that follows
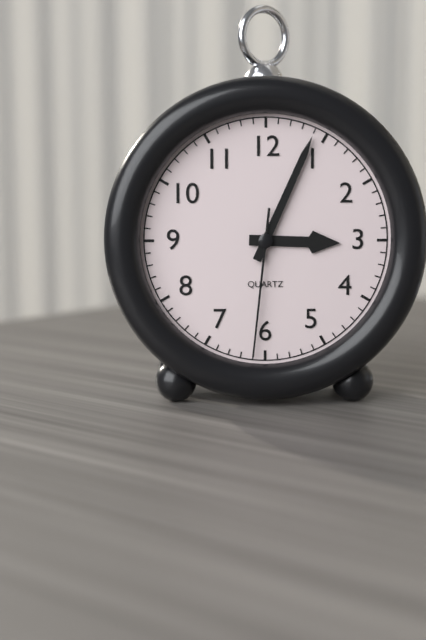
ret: 3:04:31
